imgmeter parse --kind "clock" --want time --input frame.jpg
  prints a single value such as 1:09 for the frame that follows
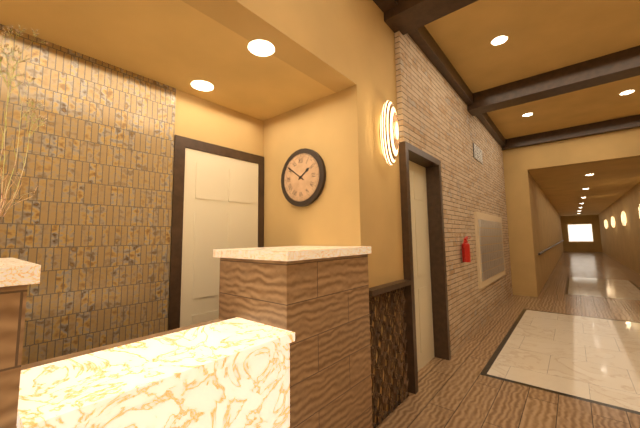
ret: 1:51
